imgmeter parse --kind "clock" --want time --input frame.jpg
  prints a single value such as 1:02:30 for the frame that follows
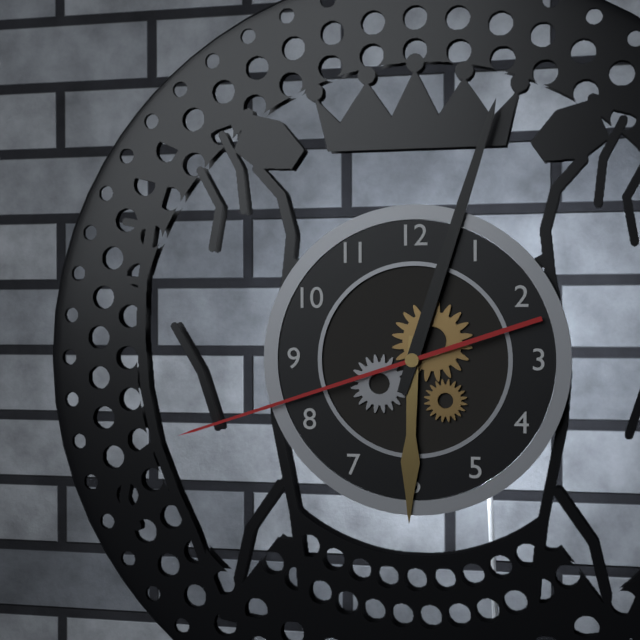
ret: 6:03:42
